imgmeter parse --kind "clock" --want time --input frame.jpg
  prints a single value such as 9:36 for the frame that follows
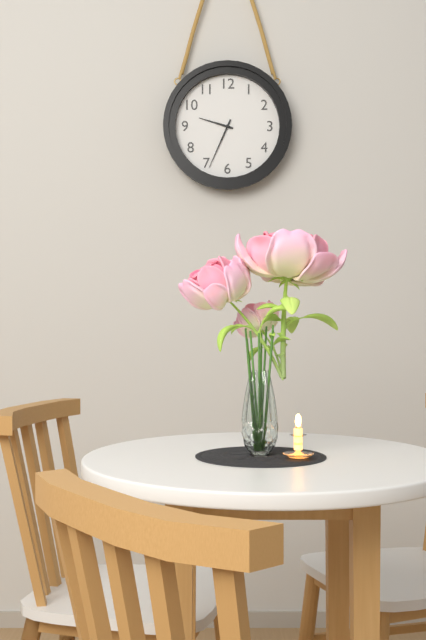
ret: 9:34
